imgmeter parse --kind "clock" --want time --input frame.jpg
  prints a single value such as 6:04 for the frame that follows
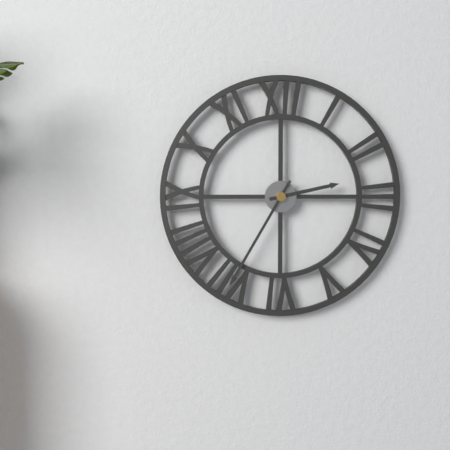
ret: 2:35
